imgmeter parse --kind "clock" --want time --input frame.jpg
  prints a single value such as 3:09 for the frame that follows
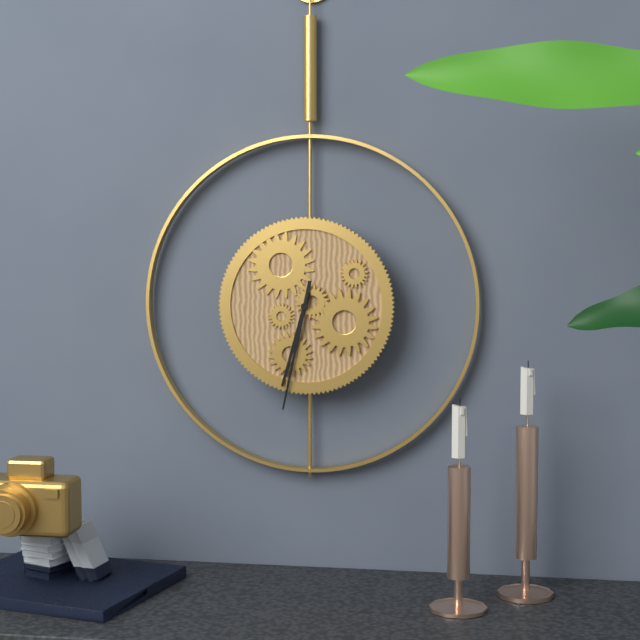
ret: 6:32
